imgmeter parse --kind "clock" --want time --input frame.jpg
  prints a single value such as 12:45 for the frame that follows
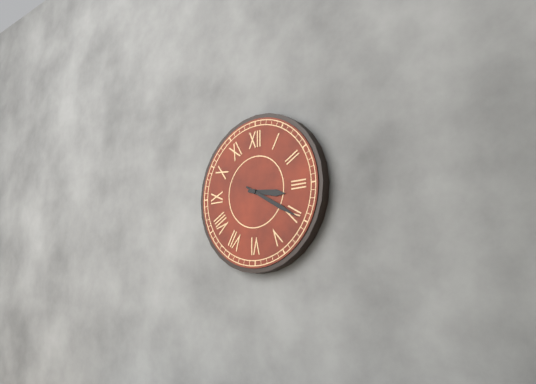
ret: 3:20
